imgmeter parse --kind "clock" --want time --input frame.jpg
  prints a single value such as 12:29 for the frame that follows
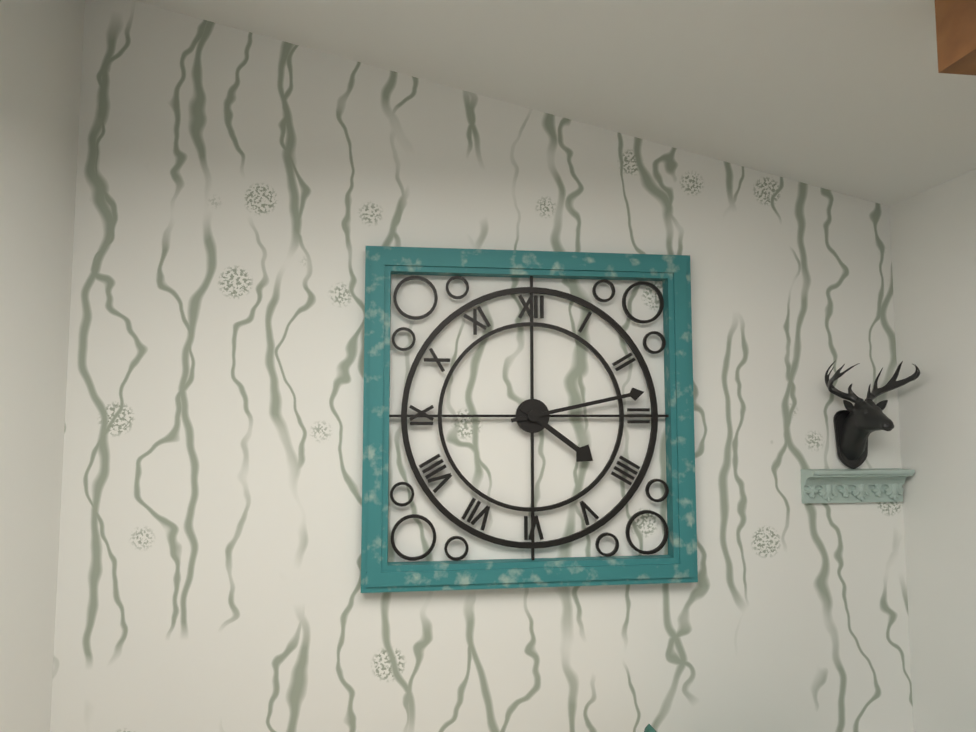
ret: 4:13
